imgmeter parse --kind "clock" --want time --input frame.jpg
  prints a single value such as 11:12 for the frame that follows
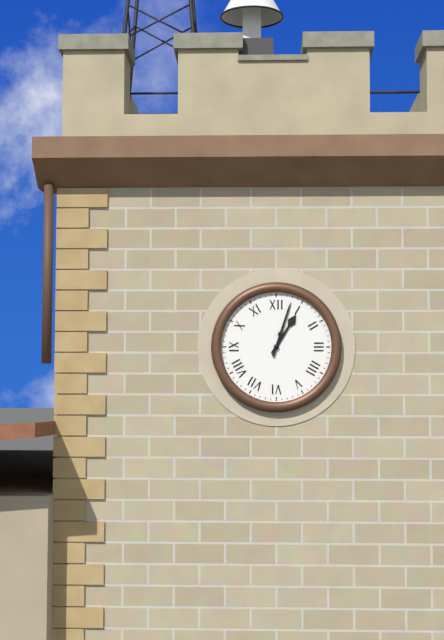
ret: 1:03
